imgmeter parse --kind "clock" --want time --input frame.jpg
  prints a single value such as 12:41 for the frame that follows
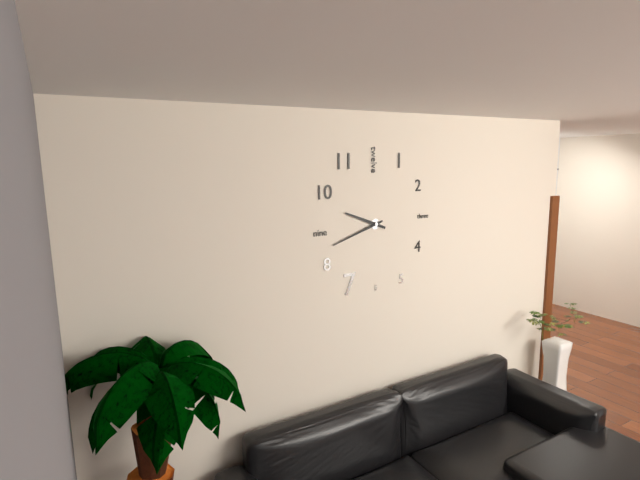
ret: 9:42
